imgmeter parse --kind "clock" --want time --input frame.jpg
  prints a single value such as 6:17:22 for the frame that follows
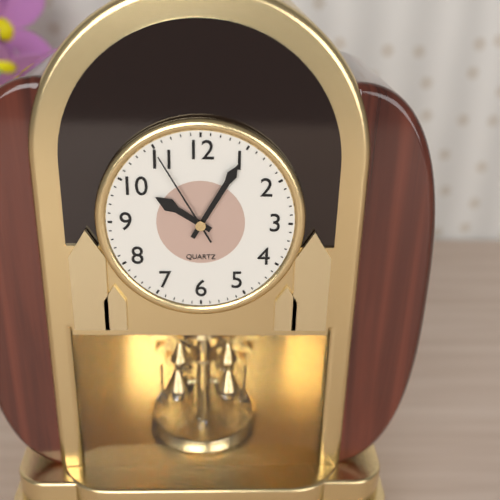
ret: 10:05:55
